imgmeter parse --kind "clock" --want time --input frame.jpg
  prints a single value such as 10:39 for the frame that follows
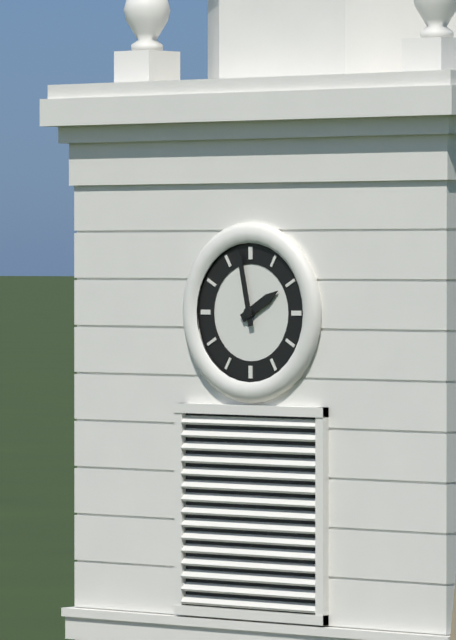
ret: 1:58
